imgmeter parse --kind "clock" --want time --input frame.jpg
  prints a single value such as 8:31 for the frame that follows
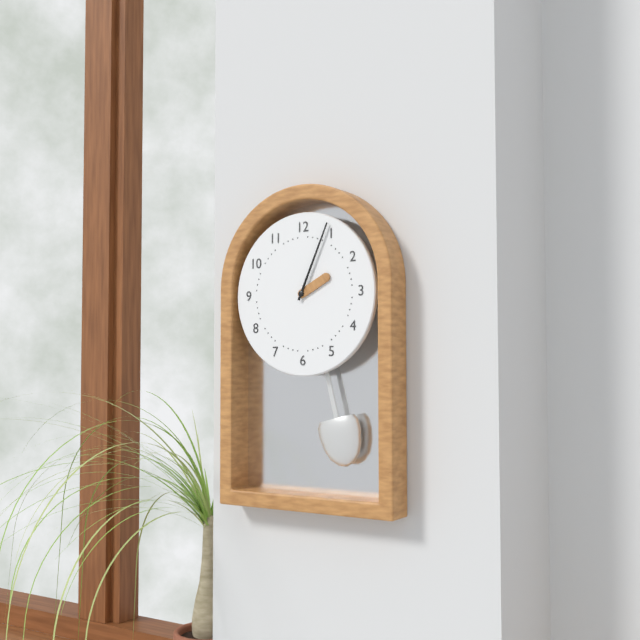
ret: 2:04
